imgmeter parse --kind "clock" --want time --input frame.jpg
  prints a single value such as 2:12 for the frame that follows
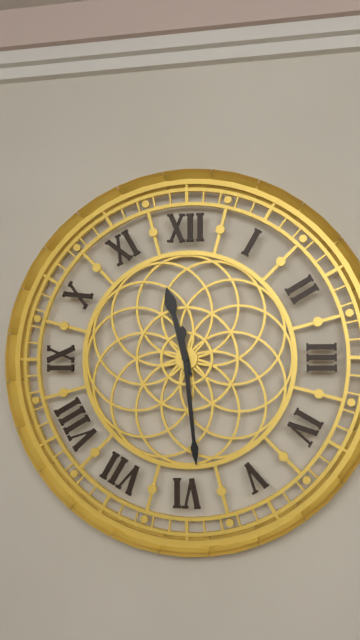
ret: 11:29
